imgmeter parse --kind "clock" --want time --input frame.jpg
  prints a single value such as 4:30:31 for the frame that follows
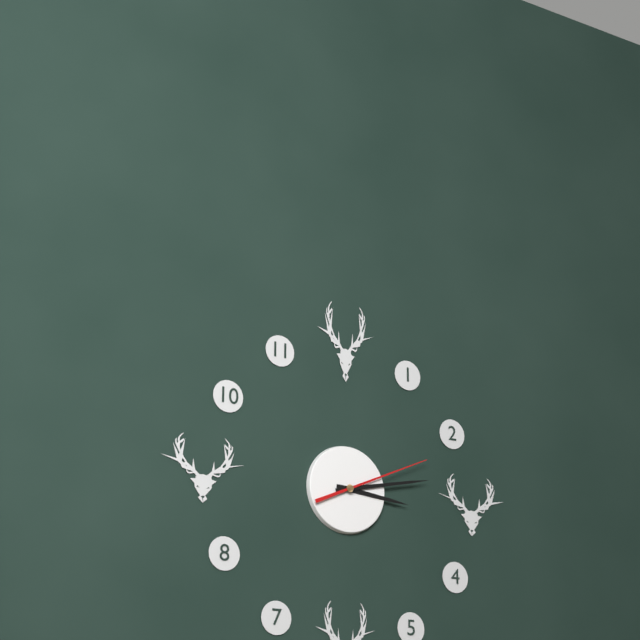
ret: 3:13:11
